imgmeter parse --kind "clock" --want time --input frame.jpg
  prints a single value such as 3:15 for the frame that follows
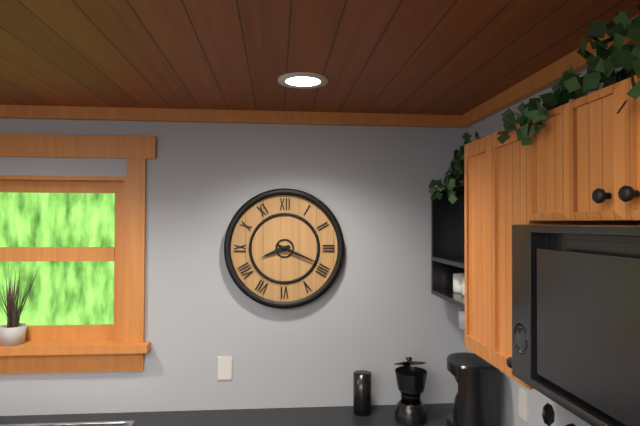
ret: 8:19
